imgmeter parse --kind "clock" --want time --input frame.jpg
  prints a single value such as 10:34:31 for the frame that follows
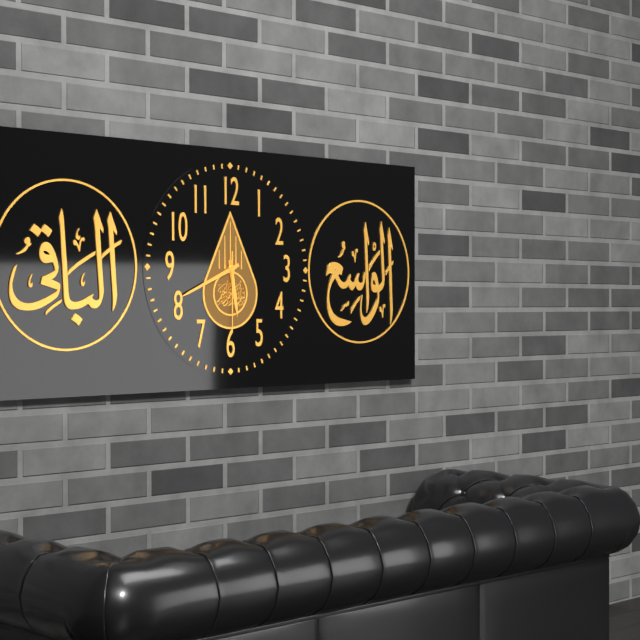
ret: 5:41:30
